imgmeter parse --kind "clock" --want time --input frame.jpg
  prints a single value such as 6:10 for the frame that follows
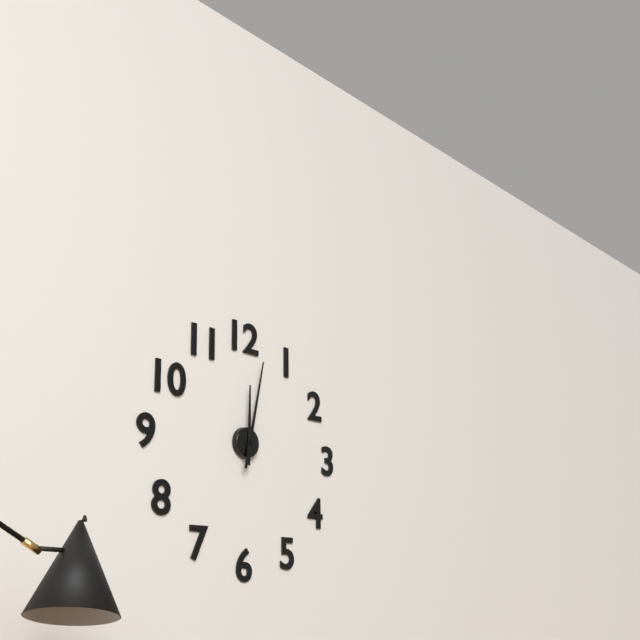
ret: 12:02
